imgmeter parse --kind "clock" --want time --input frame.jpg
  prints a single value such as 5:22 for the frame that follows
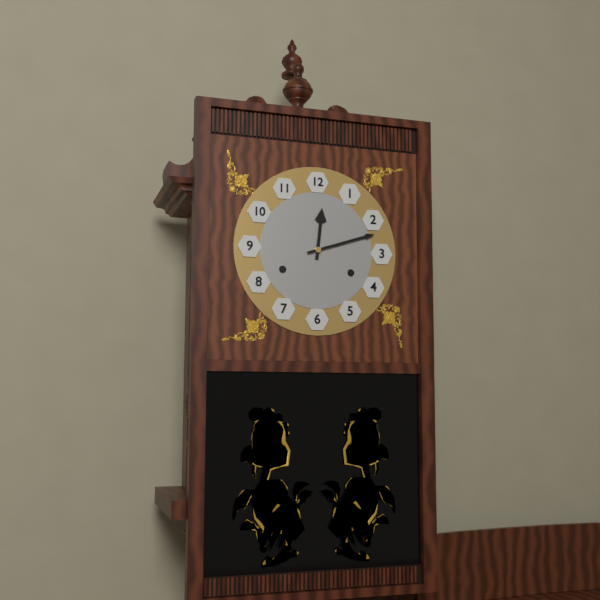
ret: 12:12
